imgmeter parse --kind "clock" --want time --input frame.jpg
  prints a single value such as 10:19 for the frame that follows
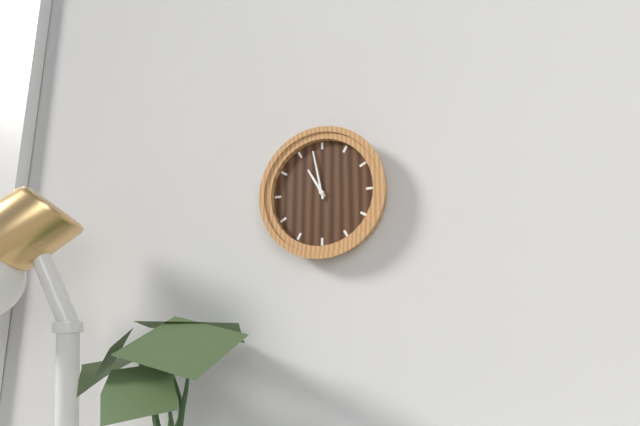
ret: 10:58
